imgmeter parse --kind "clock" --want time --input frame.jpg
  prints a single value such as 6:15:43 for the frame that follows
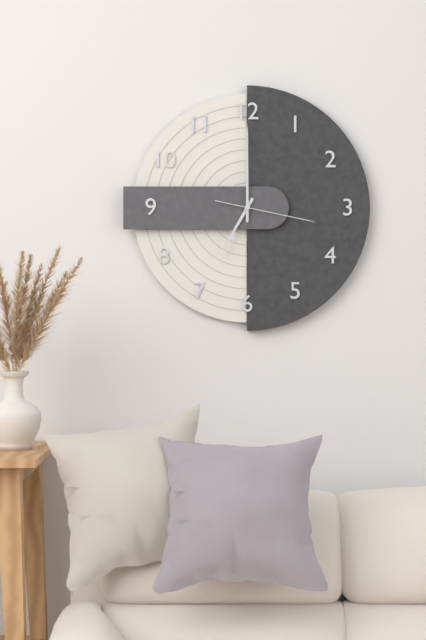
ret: 7:00:17
